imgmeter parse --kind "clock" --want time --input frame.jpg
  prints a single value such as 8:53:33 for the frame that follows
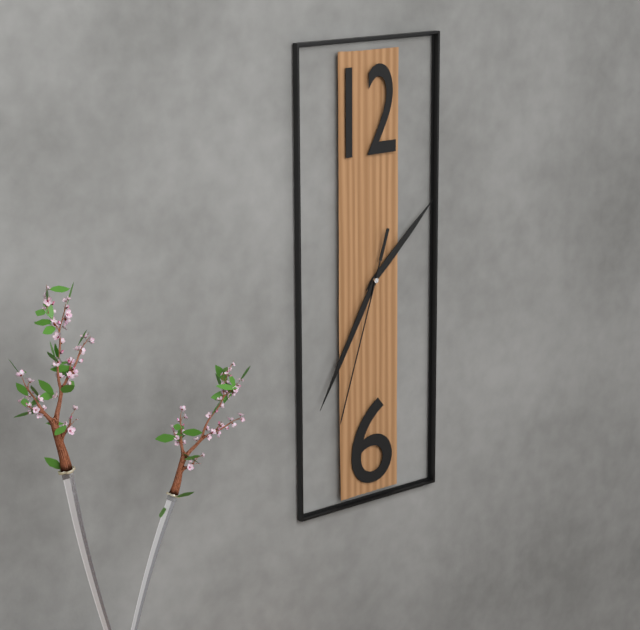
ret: 1:35:33
